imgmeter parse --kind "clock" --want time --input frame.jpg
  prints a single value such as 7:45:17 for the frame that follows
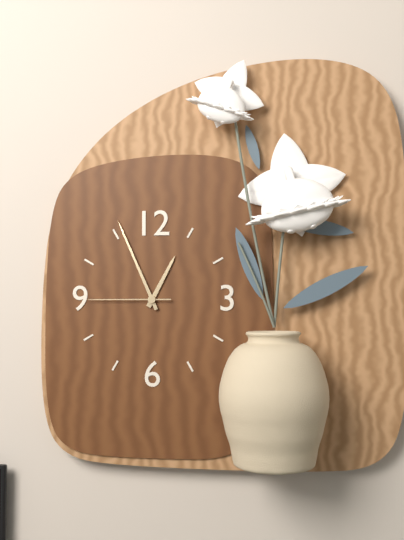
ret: 12:56:45
